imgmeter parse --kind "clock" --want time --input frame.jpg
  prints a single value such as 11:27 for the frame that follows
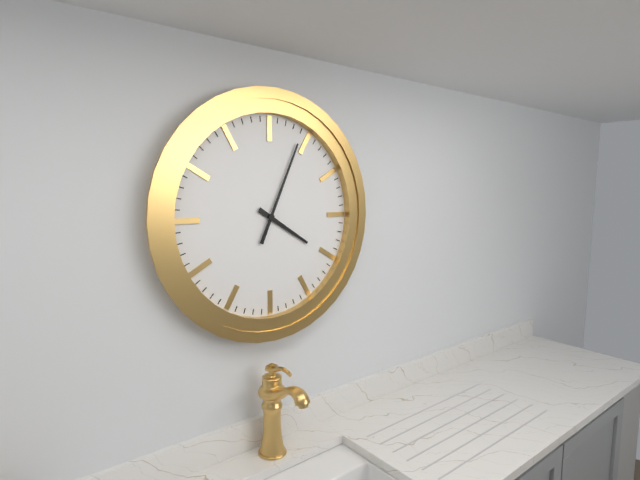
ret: 4:04
